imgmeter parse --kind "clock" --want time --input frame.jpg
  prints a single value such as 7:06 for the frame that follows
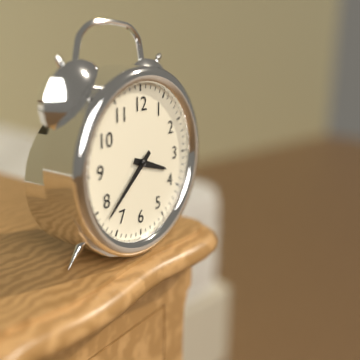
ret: 3:38
